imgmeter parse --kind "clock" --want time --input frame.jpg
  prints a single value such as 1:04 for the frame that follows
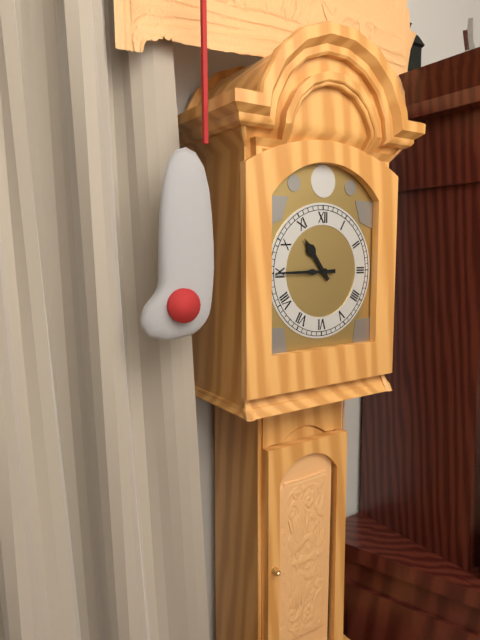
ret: 10:45
